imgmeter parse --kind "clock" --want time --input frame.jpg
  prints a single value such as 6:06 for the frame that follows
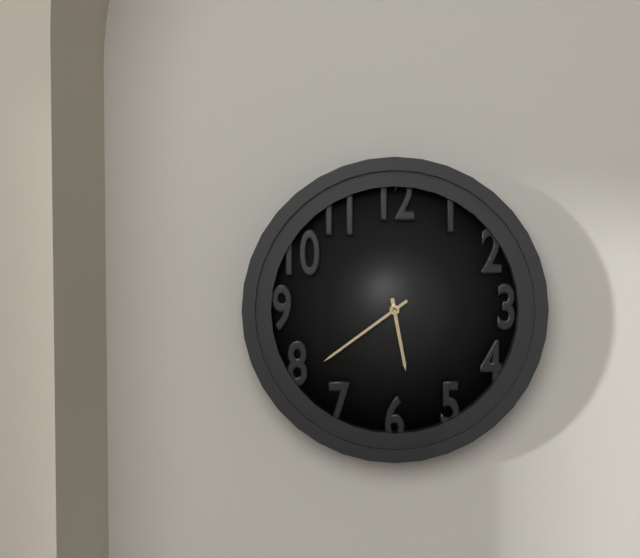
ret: 5:39
